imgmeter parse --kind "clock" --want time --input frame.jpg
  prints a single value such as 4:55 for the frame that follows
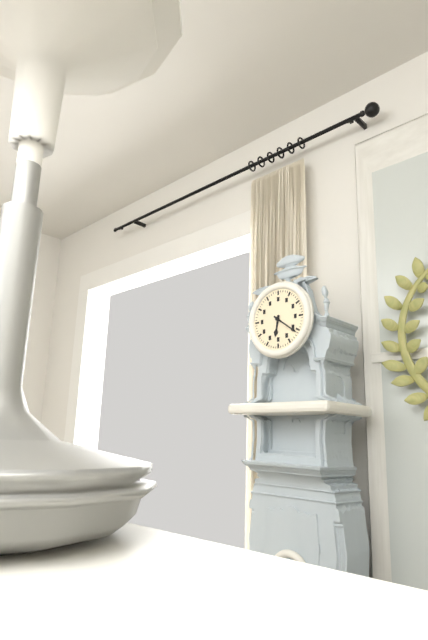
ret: 6:21
